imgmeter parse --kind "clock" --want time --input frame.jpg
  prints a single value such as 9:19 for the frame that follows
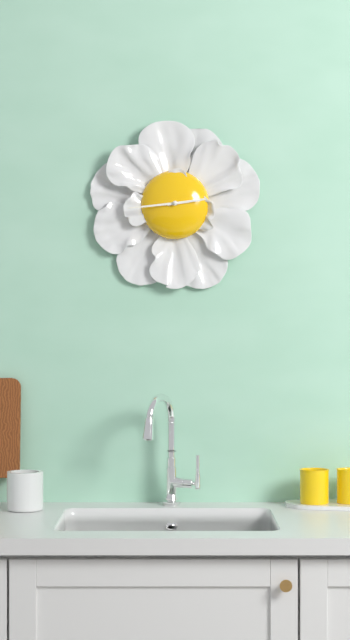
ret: 2:44
